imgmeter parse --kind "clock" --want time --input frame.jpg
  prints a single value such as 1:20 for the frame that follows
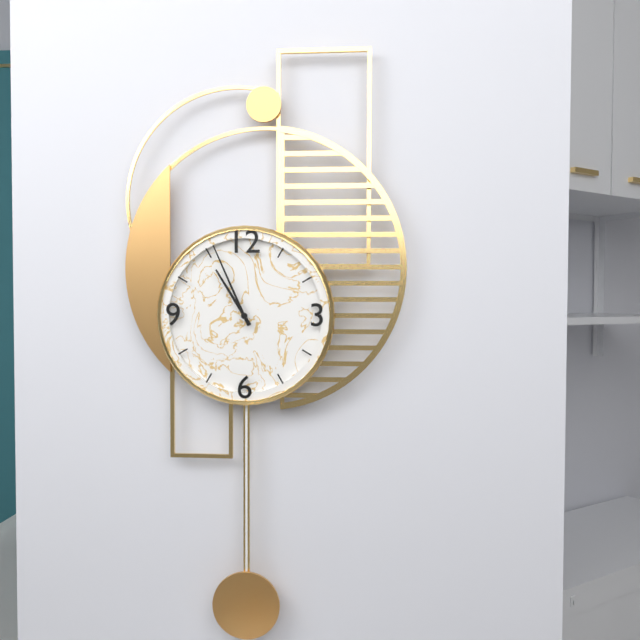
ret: 10:56
